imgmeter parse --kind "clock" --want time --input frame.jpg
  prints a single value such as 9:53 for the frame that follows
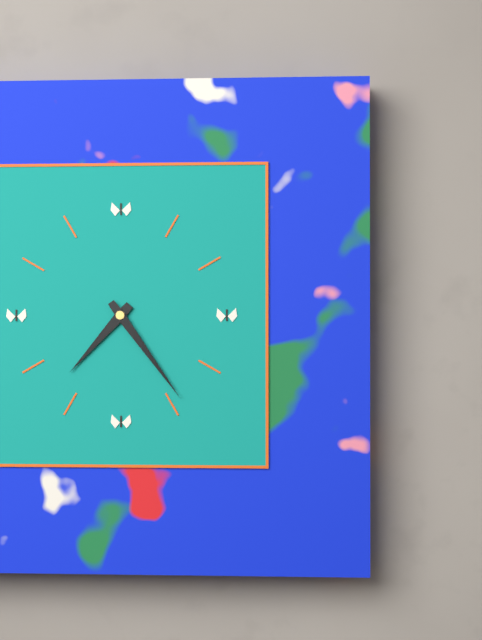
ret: 7:24
